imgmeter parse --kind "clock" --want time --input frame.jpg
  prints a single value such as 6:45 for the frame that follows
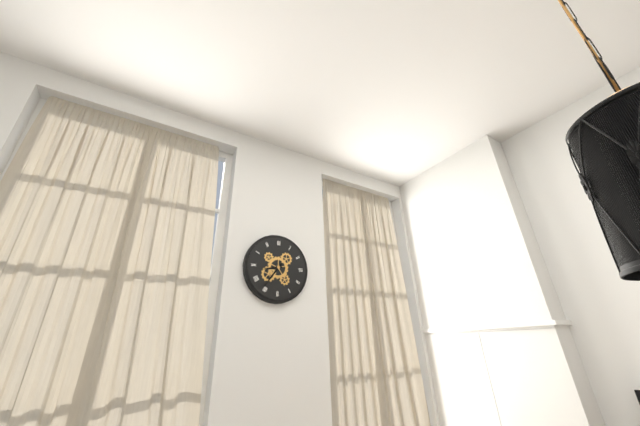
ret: 8:36
